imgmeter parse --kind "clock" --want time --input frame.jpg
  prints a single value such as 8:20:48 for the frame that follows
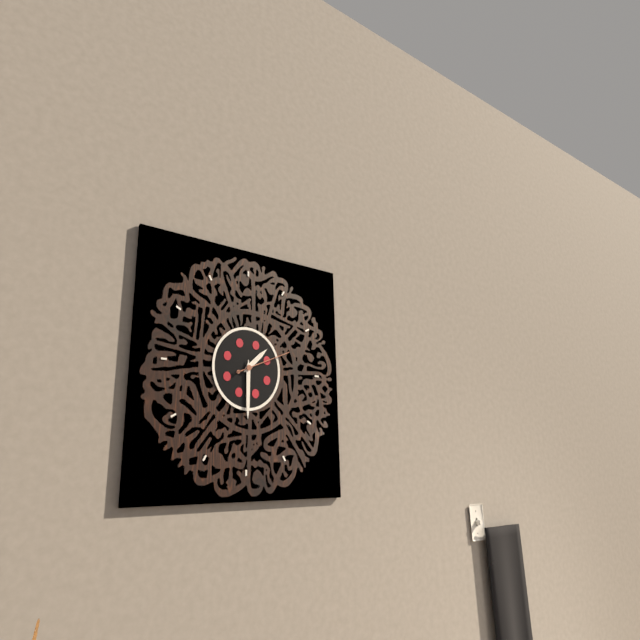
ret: 1:30:11
